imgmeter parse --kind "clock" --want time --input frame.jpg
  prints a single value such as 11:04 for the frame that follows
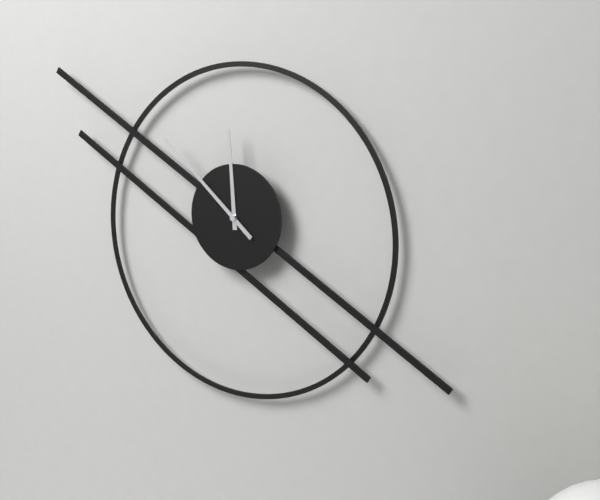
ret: 11:52
